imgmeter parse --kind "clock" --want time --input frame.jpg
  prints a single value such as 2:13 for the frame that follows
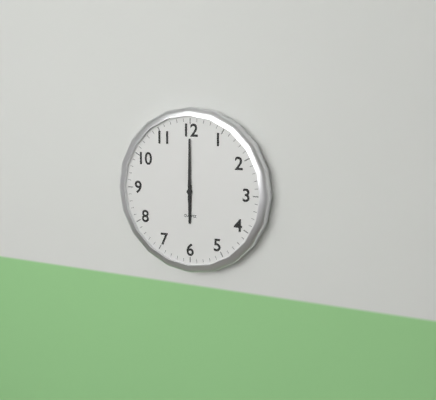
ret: 6:00
